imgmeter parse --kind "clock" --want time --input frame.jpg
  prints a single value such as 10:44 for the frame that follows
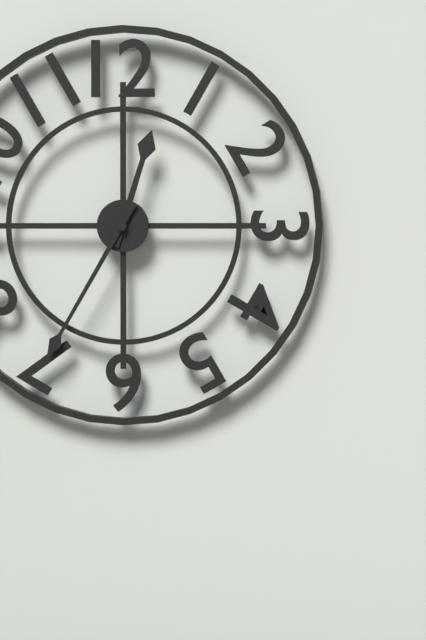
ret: 12:35
